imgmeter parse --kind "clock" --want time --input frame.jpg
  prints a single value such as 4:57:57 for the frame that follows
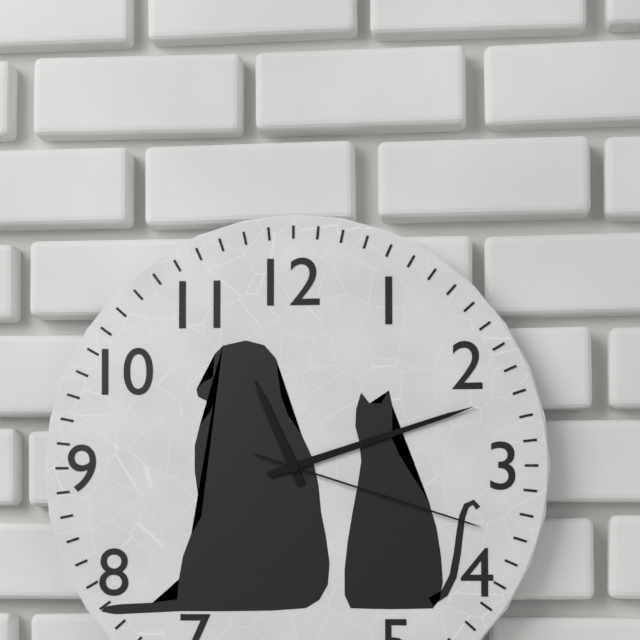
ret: 11:12:18
